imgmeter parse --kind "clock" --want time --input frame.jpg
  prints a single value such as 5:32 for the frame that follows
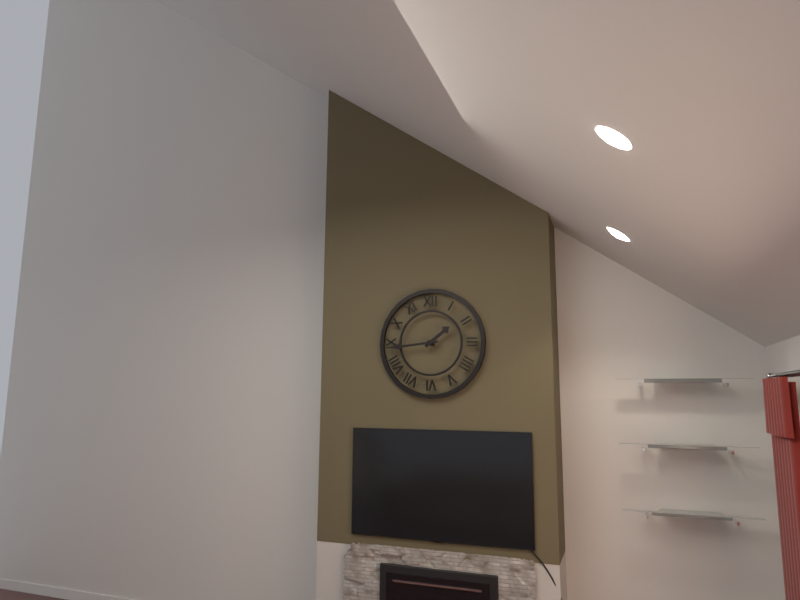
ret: 1:44
